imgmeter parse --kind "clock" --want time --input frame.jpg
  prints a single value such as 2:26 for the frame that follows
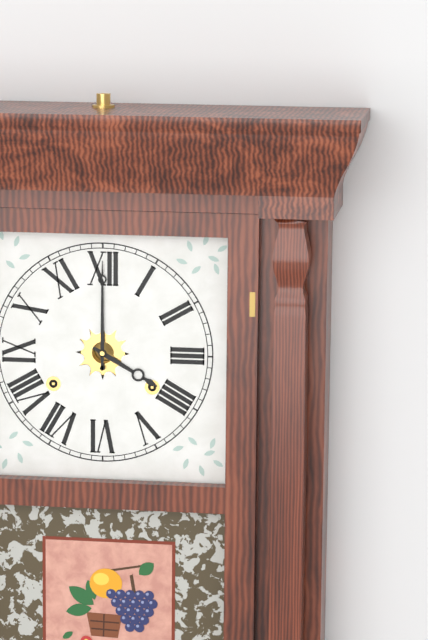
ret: 4:00
